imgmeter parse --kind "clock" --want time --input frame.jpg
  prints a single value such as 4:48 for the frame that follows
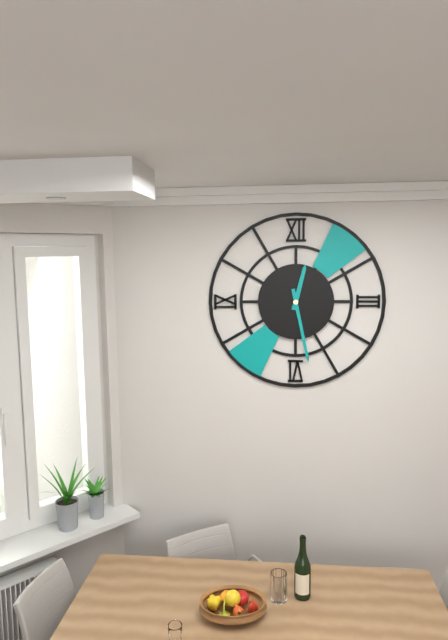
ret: 12:28
